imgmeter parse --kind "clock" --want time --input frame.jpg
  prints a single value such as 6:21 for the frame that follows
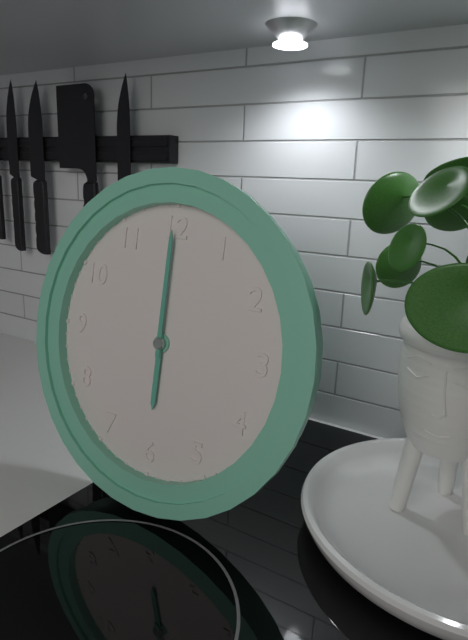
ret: 6:00
